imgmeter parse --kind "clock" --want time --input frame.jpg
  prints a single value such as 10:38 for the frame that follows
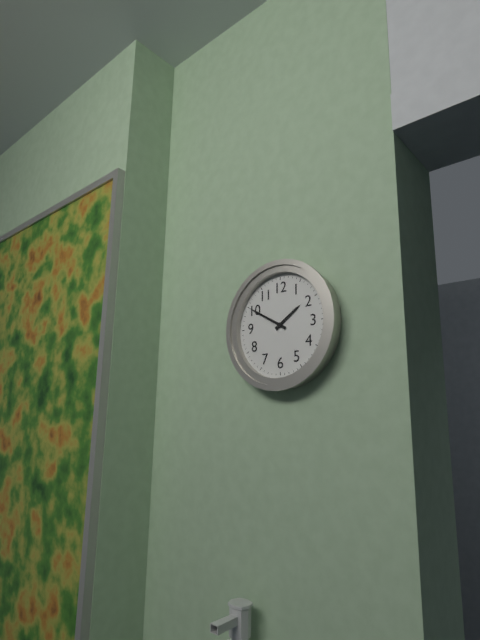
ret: 1:50
